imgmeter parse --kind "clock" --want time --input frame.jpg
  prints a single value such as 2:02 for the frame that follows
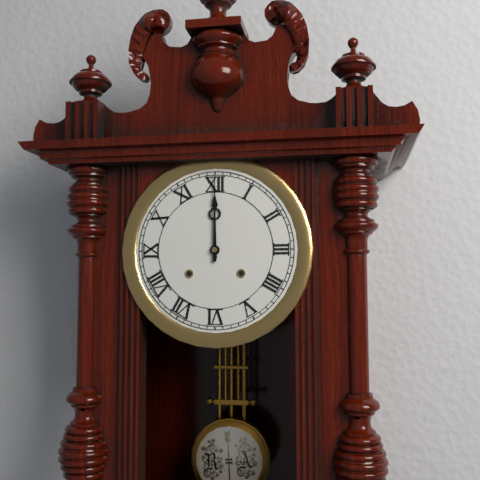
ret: 12:00
